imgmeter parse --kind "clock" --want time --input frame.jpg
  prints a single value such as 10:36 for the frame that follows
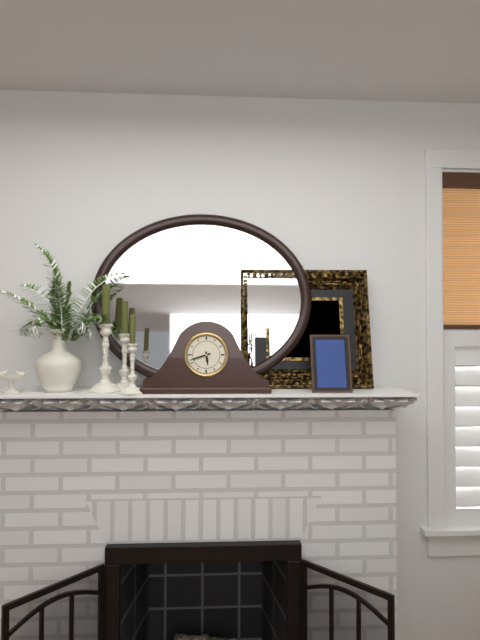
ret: 5:42
